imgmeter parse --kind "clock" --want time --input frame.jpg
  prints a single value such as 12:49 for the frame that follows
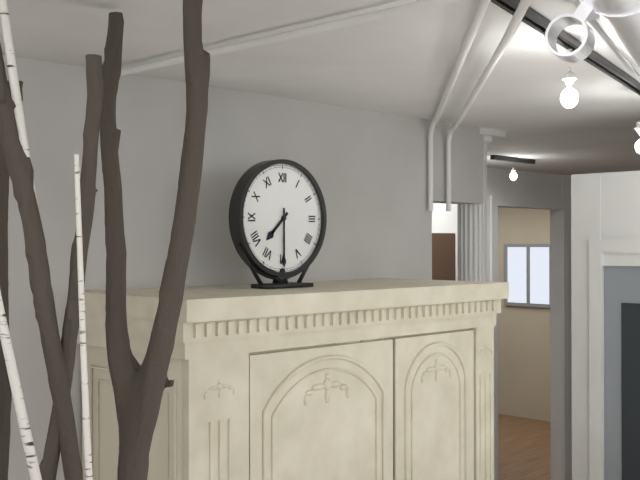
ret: 7:30
